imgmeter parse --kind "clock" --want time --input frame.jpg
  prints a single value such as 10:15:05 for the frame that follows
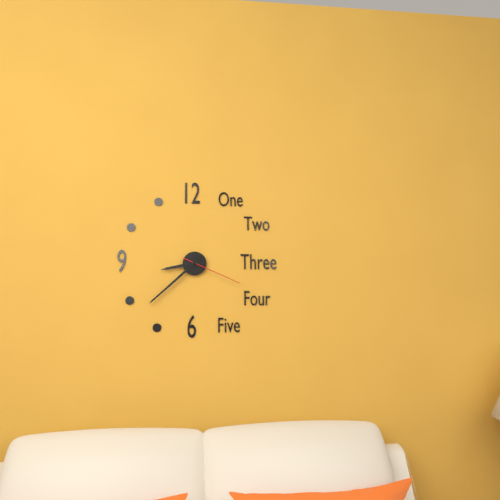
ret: 8:38:19
